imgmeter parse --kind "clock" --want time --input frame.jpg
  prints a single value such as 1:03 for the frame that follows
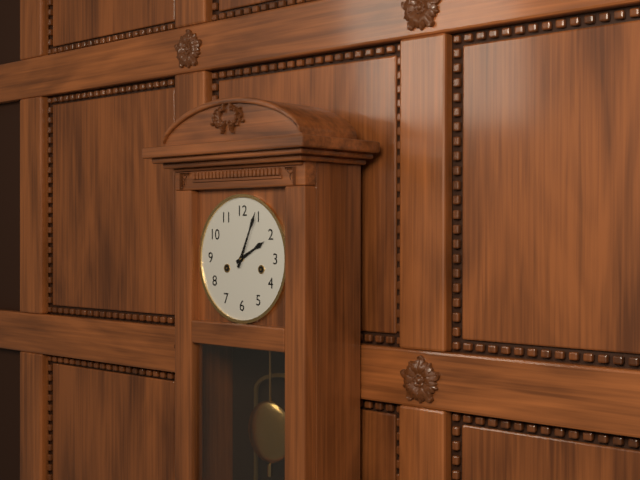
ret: 2:04
